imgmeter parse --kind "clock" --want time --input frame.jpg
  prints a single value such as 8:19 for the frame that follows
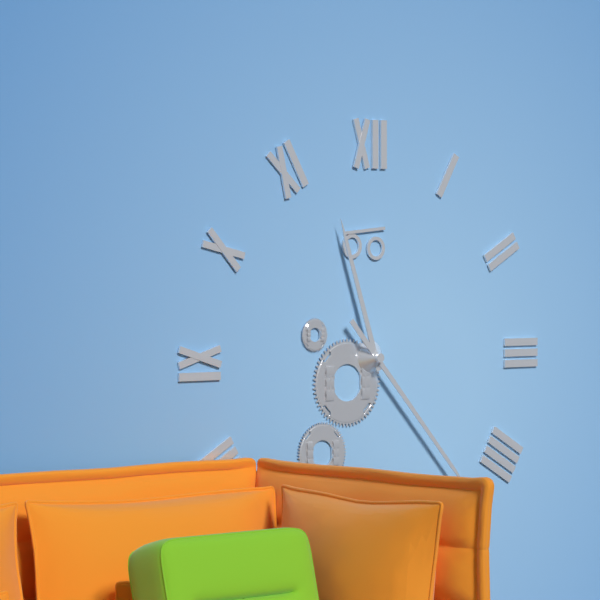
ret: 11:23
